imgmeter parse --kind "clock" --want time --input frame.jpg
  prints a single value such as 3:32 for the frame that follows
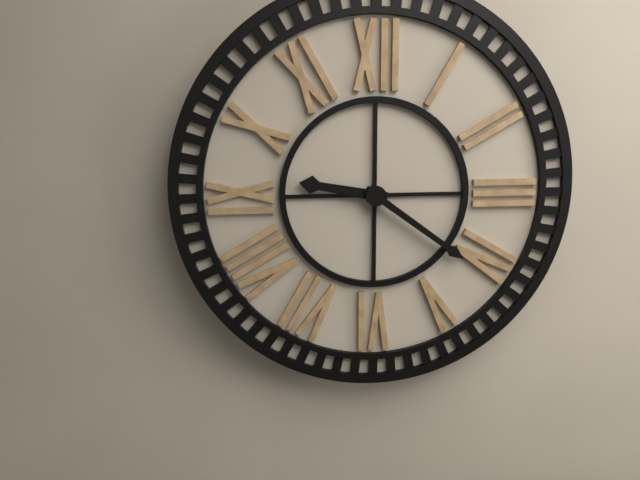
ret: 9:21
